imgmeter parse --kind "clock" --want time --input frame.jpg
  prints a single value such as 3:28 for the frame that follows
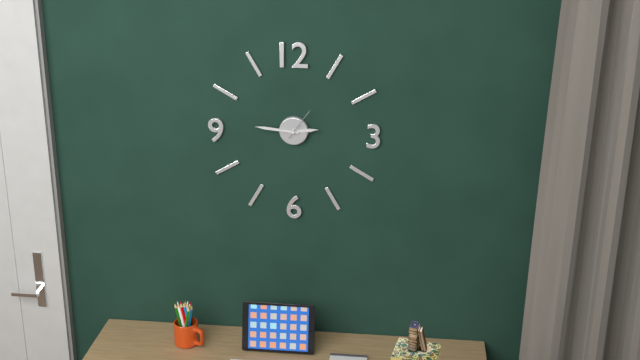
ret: 2:46
